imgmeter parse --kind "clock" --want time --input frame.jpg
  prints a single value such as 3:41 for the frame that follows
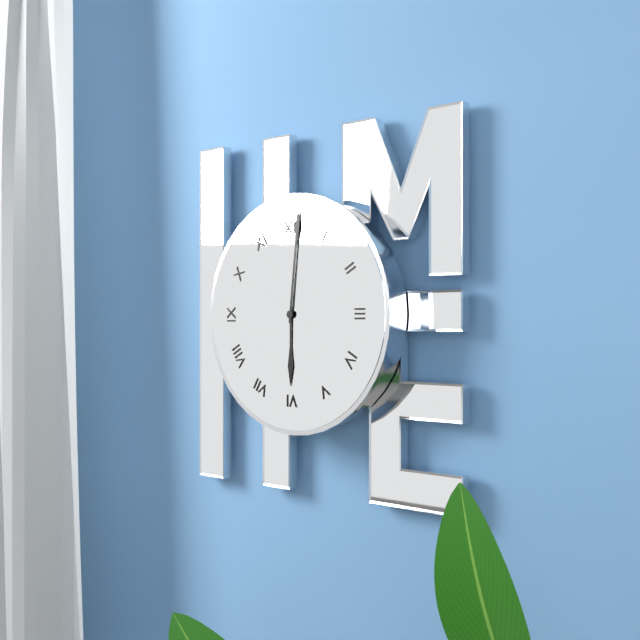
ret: 6:01
